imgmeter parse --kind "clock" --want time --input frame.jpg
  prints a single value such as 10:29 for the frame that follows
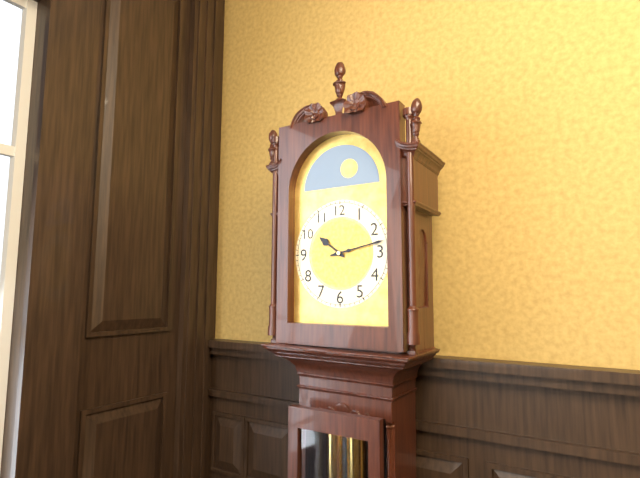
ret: 10:13
